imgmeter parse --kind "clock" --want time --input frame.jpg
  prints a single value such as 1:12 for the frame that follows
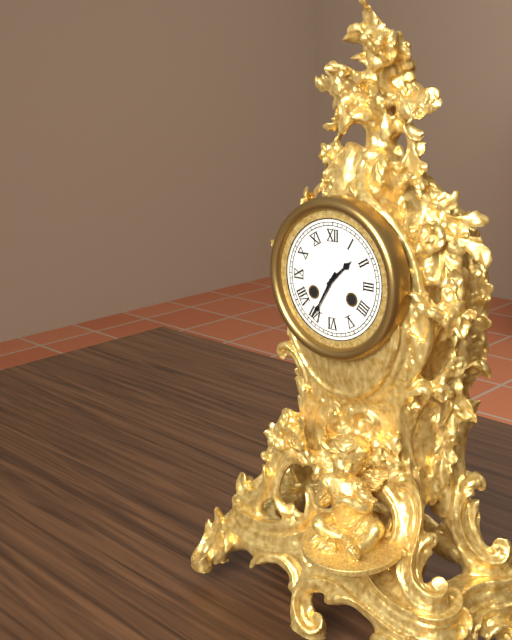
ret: 1:35
